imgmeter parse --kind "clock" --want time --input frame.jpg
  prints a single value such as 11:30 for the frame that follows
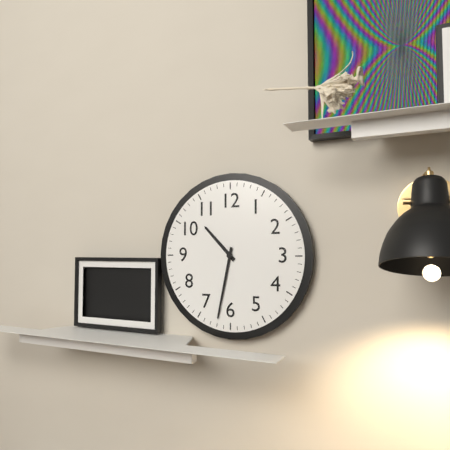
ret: 10:32
